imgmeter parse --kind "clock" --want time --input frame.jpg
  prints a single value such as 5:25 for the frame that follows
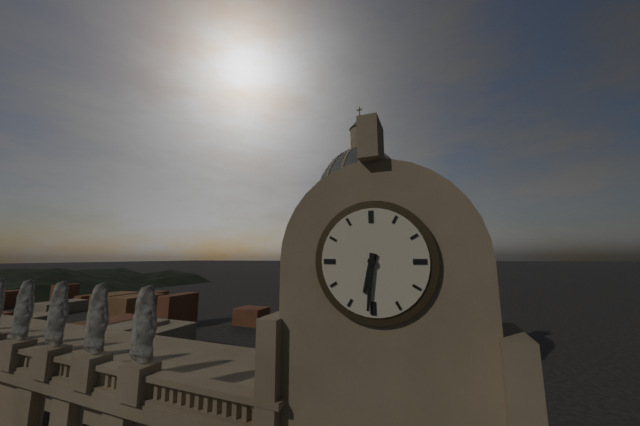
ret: 6:31
